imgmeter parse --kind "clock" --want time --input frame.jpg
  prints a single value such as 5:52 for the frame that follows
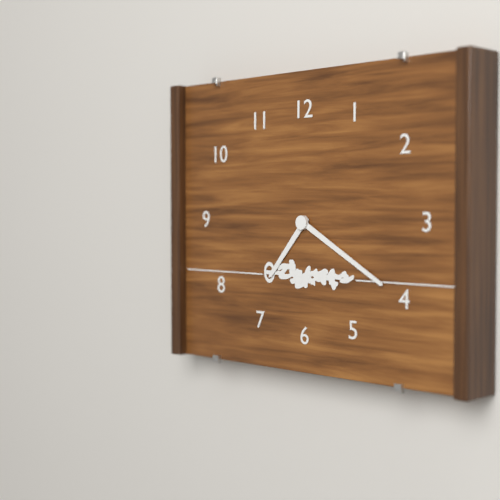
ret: 7:20
